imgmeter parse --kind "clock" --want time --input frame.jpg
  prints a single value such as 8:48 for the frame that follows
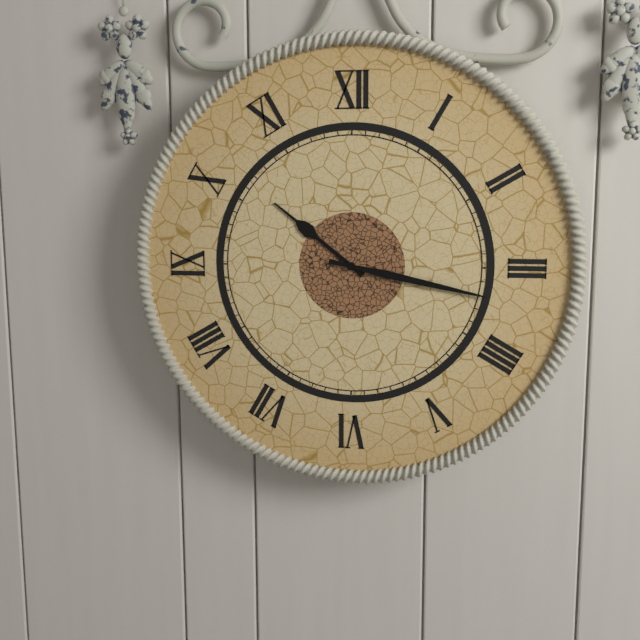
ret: 10:17
